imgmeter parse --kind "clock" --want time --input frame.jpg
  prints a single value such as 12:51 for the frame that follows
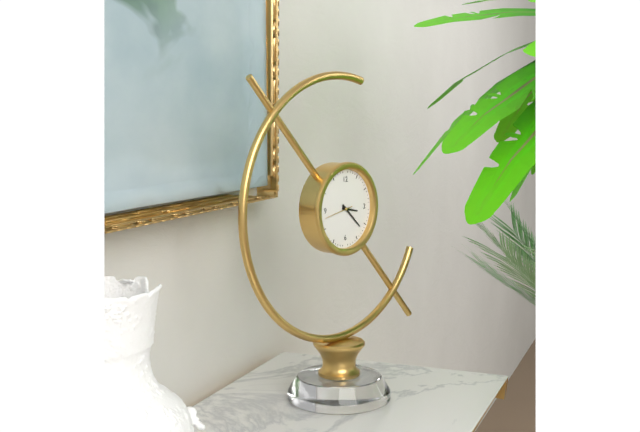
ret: 3:22
